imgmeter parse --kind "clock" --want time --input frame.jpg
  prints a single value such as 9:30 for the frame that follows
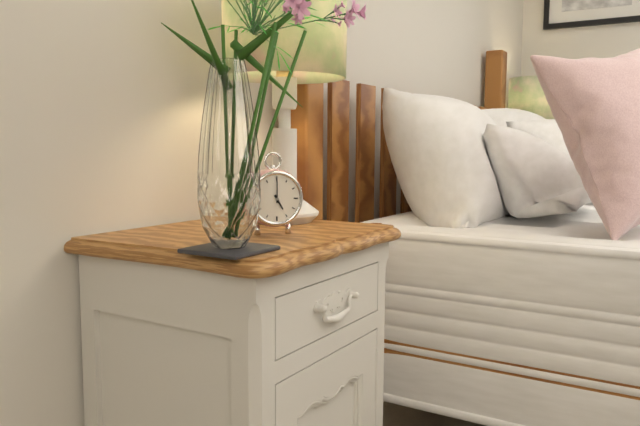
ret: 5:00
